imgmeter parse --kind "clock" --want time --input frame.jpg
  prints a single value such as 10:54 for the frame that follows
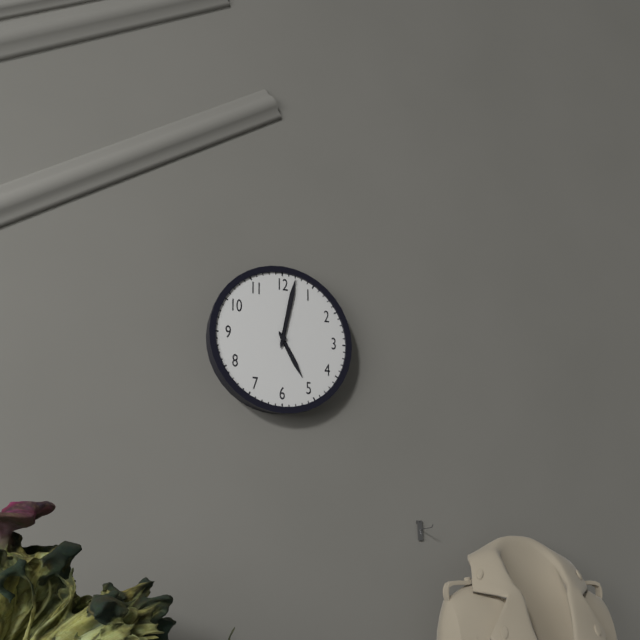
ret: 5:02
